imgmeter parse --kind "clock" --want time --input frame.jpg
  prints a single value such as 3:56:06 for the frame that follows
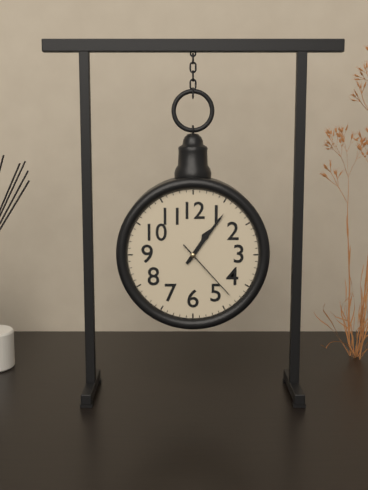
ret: 1:06:23
